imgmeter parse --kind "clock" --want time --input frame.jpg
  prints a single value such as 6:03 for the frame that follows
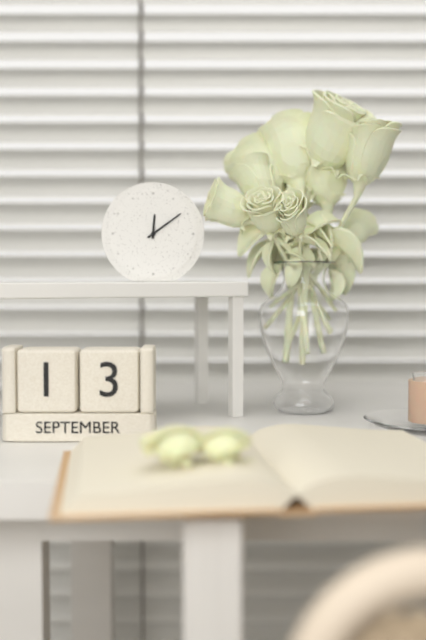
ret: 12:09
